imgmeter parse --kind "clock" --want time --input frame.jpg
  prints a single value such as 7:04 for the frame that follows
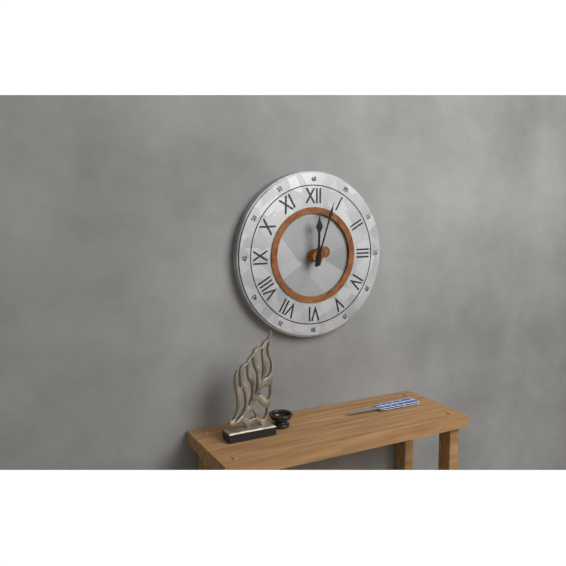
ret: 12:03
